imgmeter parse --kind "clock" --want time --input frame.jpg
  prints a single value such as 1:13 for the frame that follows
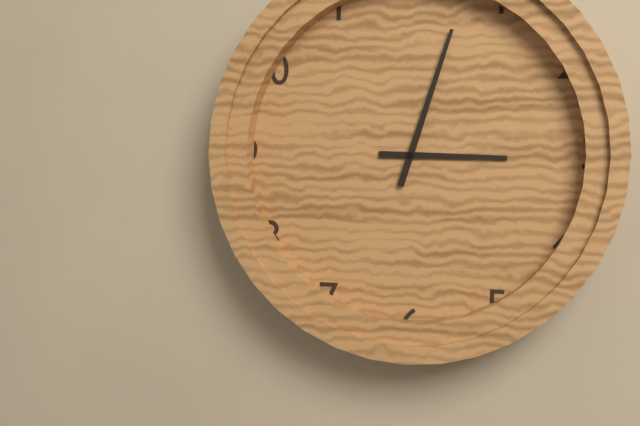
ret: 3:03
